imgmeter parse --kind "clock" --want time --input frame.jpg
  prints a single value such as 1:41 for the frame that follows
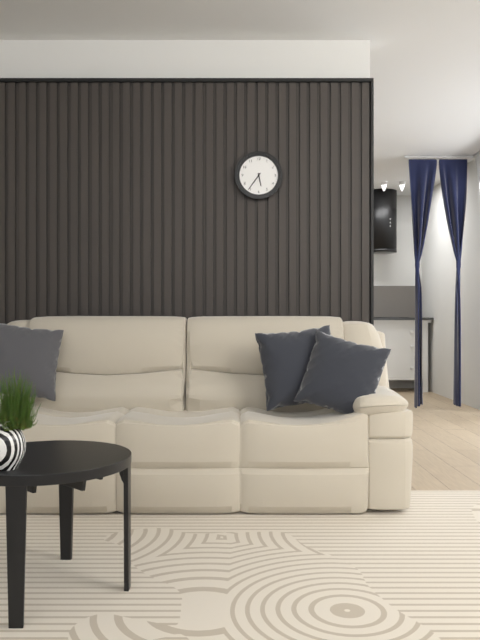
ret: 5:36
